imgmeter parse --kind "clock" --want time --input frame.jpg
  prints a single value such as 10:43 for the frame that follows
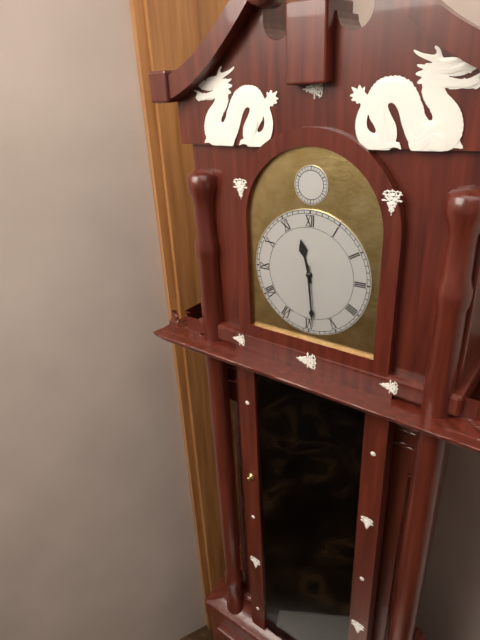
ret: 11:29
